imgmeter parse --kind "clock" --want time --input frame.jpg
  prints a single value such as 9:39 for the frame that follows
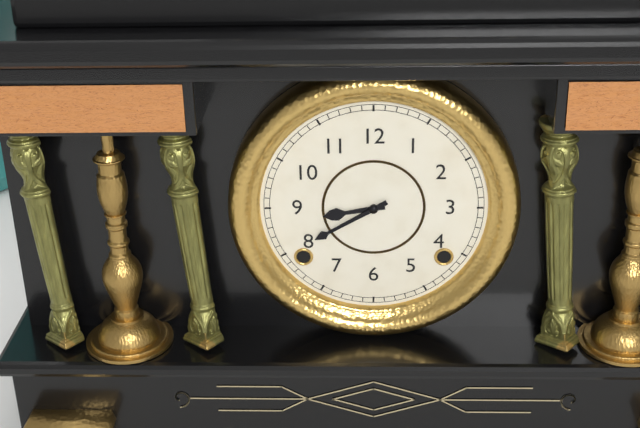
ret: 8:40
